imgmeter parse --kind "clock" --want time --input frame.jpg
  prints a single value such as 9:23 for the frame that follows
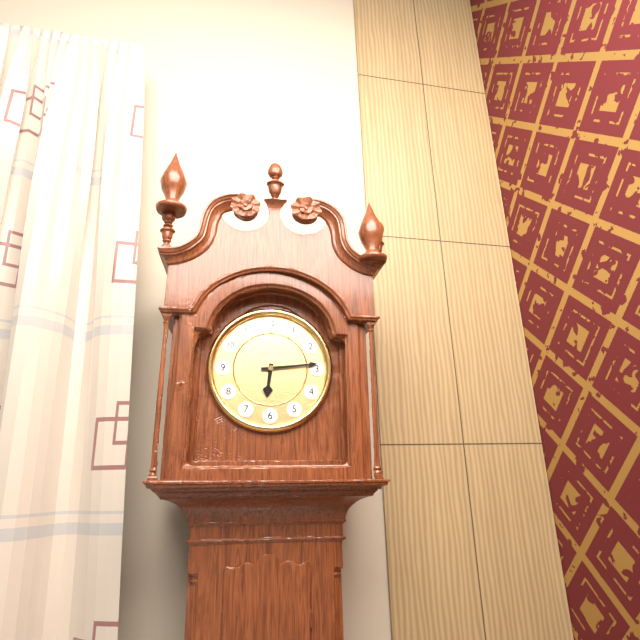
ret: 6:14
